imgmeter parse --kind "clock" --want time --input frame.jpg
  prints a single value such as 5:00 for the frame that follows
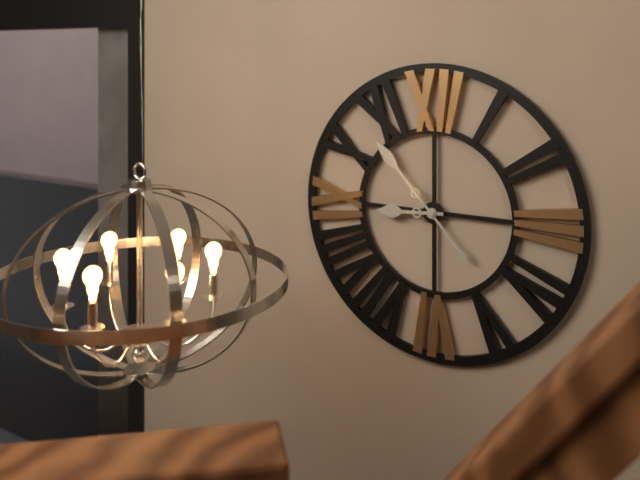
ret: 8:53
